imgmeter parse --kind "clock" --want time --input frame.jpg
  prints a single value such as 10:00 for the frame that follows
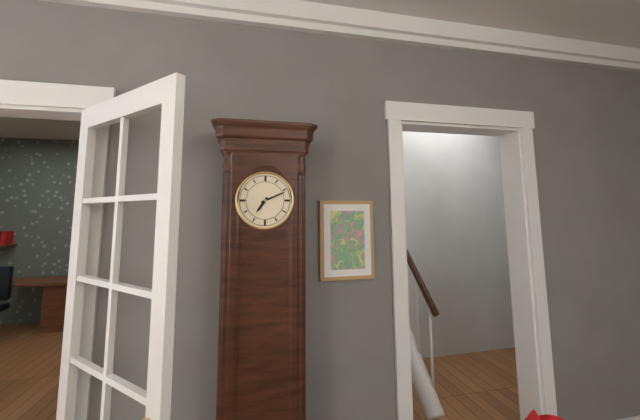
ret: 7:11
